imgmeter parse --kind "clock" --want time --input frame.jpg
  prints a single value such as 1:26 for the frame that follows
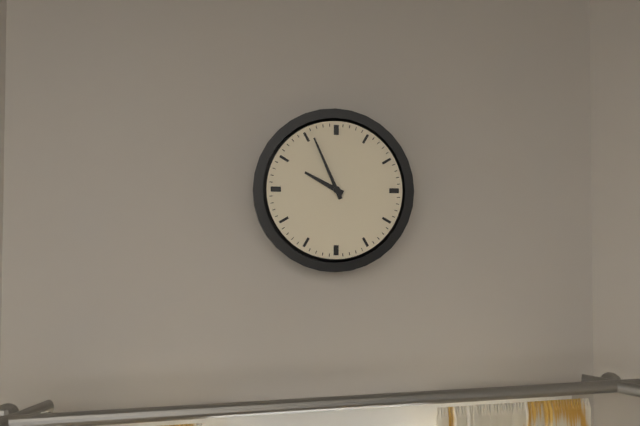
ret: 9:56
